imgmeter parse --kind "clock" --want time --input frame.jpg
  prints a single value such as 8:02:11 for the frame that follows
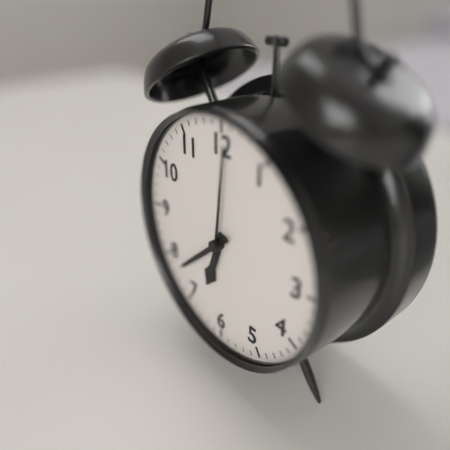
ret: 6:38:01
